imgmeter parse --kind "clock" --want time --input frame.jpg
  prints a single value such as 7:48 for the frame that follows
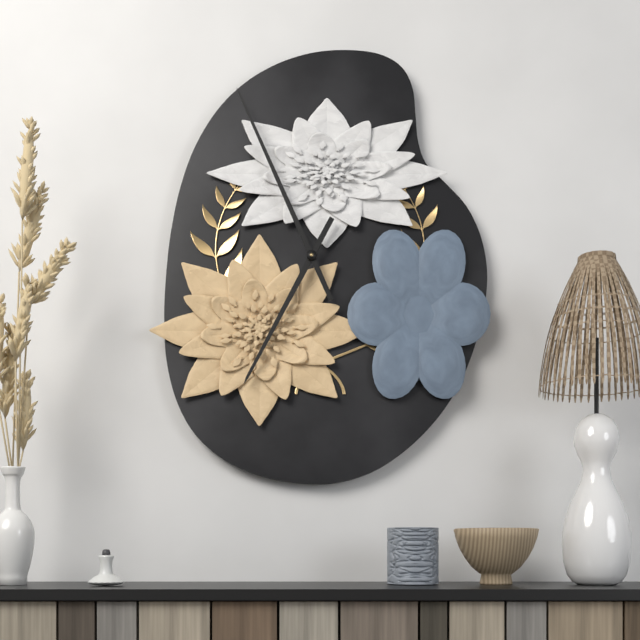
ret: 6:56
